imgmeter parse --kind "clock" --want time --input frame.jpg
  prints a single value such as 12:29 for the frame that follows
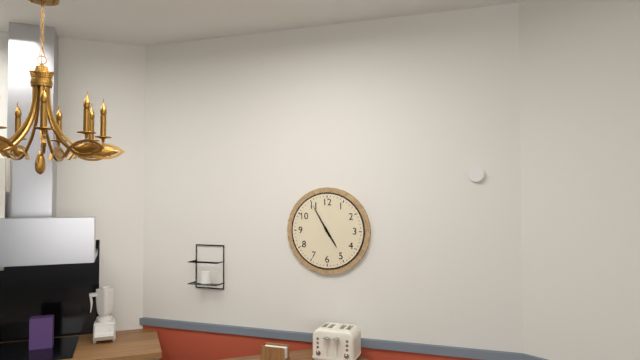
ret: 4:55
